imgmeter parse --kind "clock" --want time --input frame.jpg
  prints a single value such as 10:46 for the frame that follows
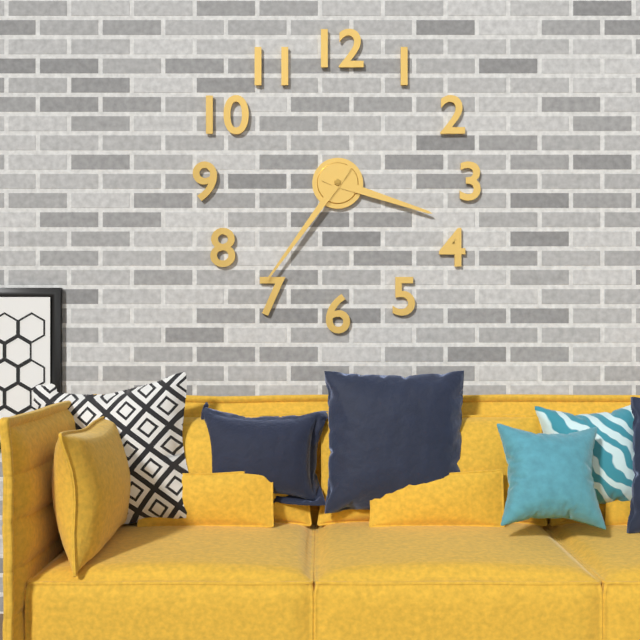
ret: 3:36
